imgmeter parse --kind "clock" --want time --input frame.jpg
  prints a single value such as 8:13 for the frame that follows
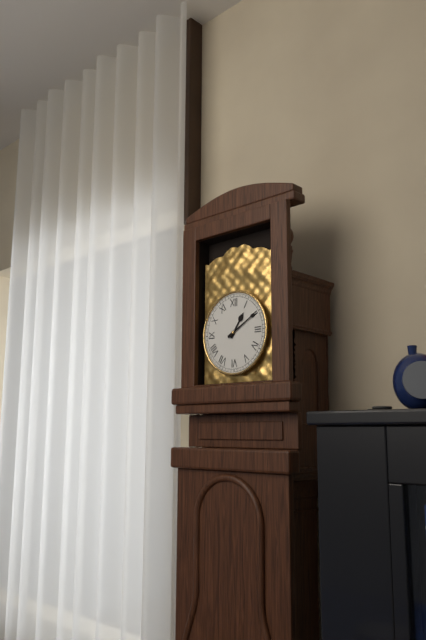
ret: 1:10
